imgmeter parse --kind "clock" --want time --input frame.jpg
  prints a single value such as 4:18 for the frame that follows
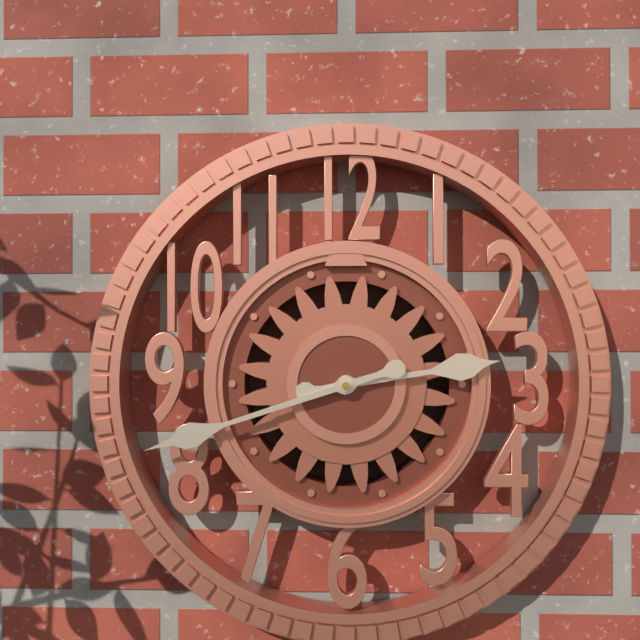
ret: 2:42
